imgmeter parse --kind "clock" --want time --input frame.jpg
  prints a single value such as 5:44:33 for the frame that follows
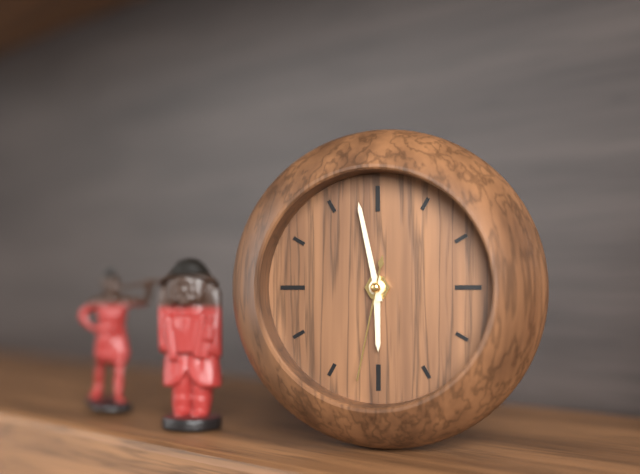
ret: 5:58:32
